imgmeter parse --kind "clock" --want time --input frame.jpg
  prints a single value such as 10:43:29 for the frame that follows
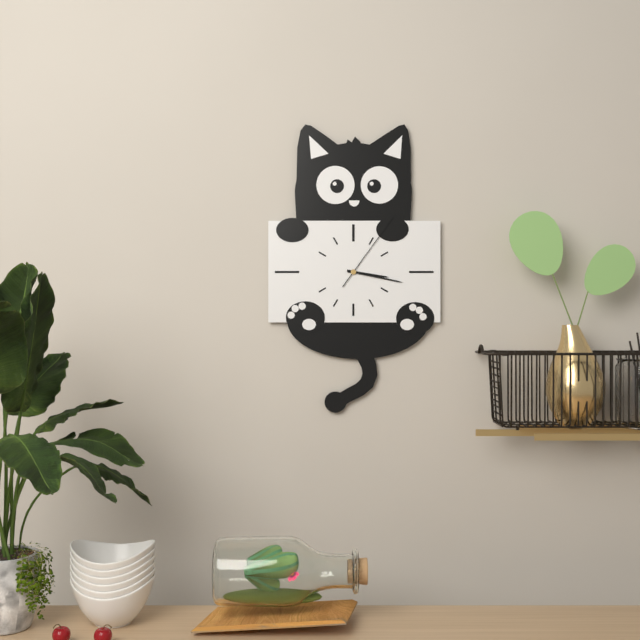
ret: 3:17:06
